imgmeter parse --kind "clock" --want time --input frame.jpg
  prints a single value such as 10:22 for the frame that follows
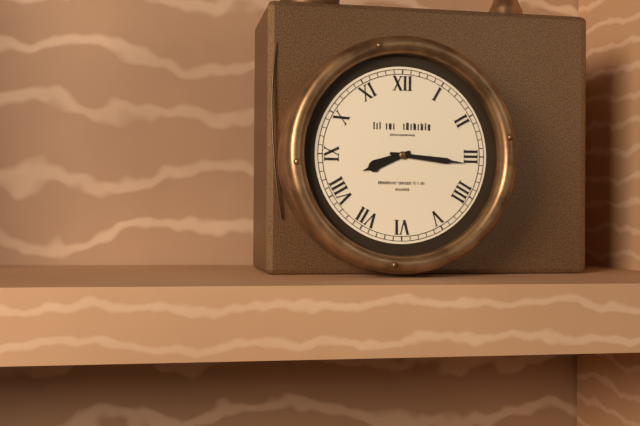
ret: 8:16
